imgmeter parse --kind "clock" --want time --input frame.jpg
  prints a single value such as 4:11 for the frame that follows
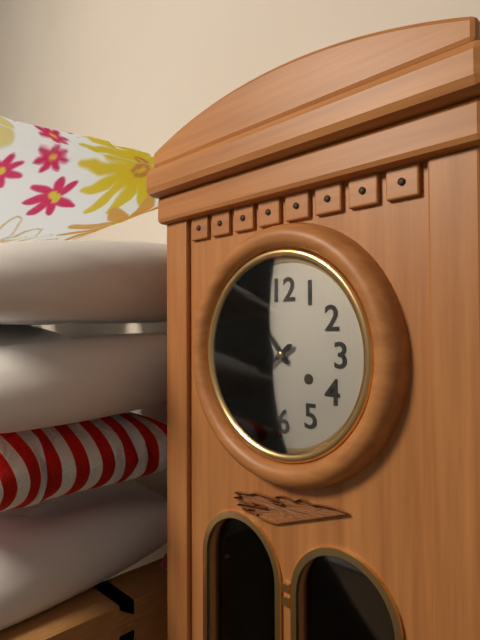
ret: 10:39
